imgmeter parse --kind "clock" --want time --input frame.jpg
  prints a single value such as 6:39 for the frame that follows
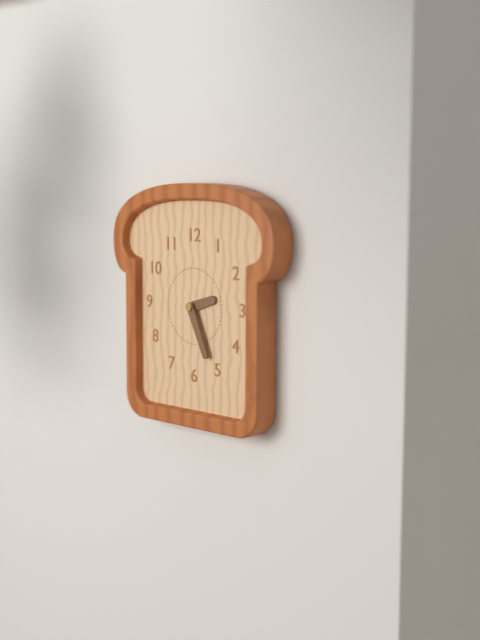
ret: 2:26
